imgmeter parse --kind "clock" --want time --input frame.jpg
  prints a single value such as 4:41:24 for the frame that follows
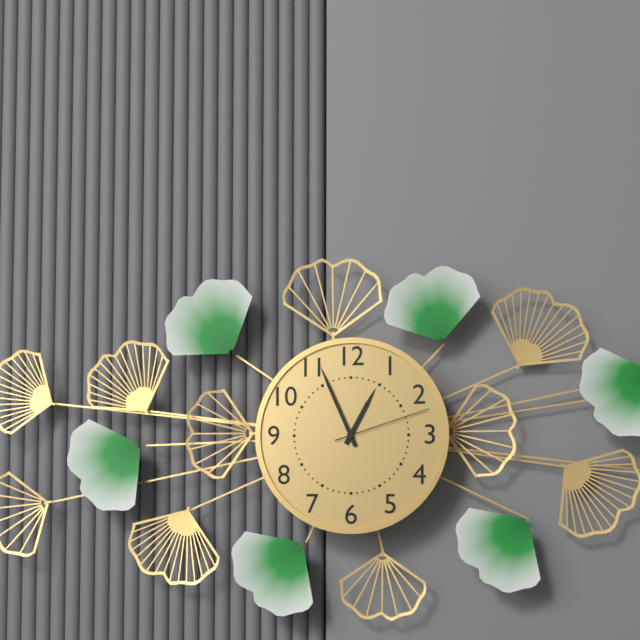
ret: 12:56:12
